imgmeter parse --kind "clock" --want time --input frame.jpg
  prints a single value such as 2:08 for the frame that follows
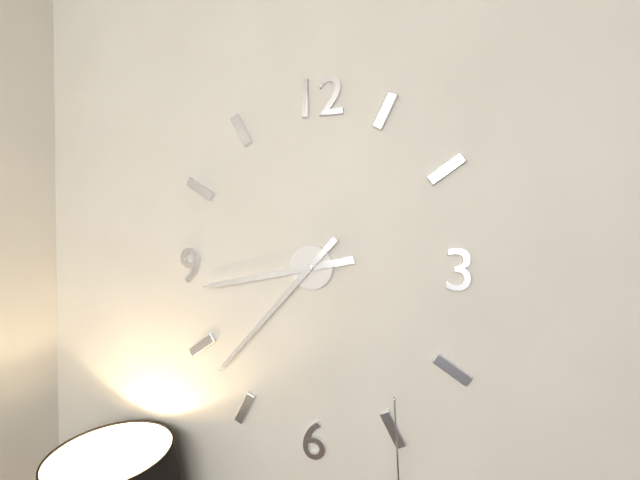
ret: 8:37
